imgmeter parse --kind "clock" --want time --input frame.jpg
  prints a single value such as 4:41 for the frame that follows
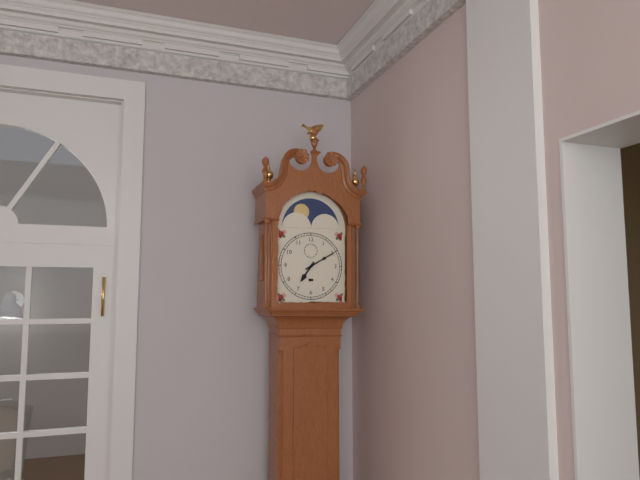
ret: 7:10
